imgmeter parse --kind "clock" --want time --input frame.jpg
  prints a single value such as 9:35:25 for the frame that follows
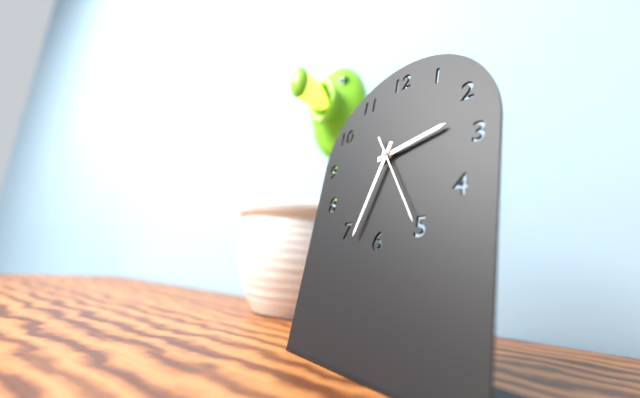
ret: 2:33:25
